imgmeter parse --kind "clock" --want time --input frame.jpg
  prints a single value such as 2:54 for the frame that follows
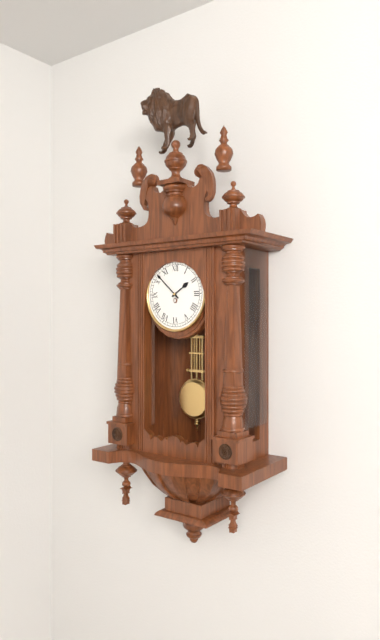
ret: 1:52
